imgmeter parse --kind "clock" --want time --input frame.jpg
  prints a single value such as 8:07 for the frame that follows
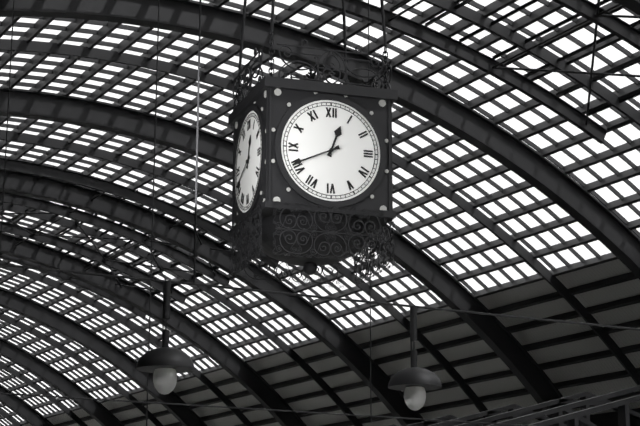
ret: 12:41
